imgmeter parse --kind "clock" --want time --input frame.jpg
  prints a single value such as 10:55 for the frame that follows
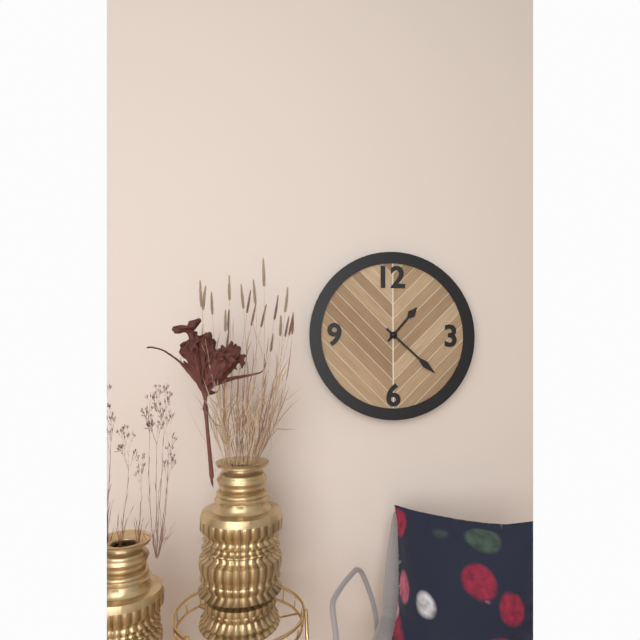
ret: 1:22
